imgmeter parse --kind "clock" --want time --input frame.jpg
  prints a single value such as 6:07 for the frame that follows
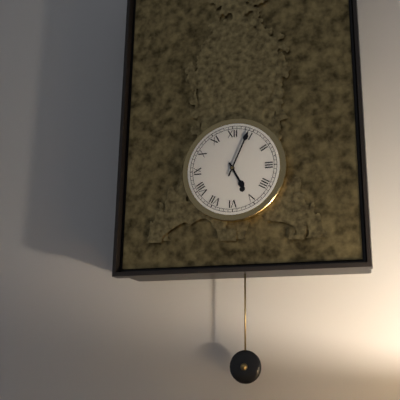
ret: 5:04
